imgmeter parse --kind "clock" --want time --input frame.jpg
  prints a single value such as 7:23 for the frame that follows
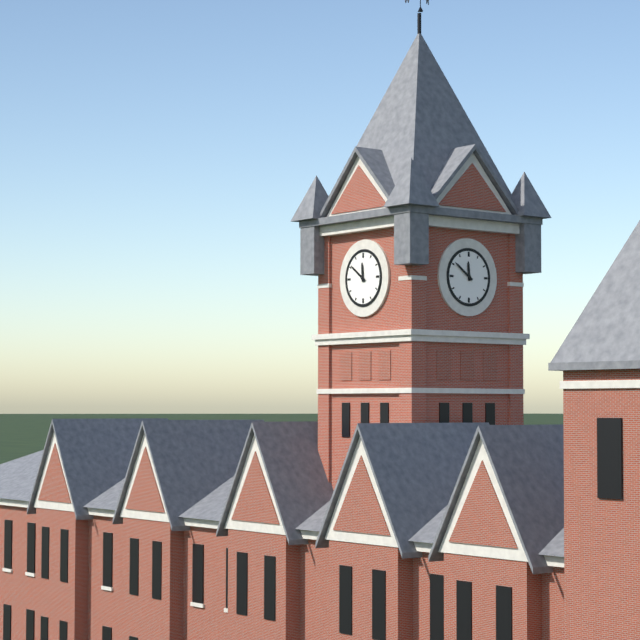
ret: 11:51
